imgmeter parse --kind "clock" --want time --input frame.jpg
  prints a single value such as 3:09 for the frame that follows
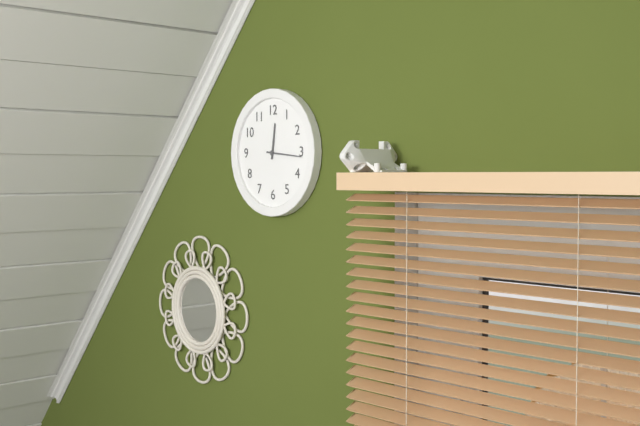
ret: 12:16
